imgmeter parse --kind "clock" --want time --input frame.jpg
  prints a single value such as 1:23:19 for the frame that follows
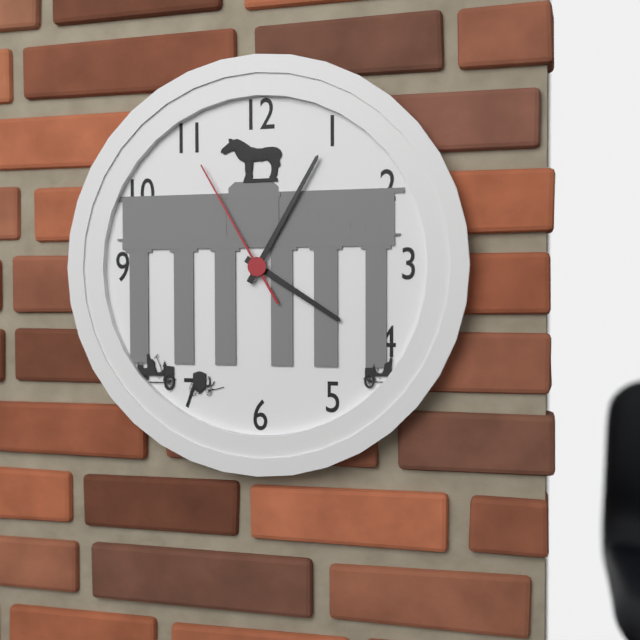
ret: 4:05:55
